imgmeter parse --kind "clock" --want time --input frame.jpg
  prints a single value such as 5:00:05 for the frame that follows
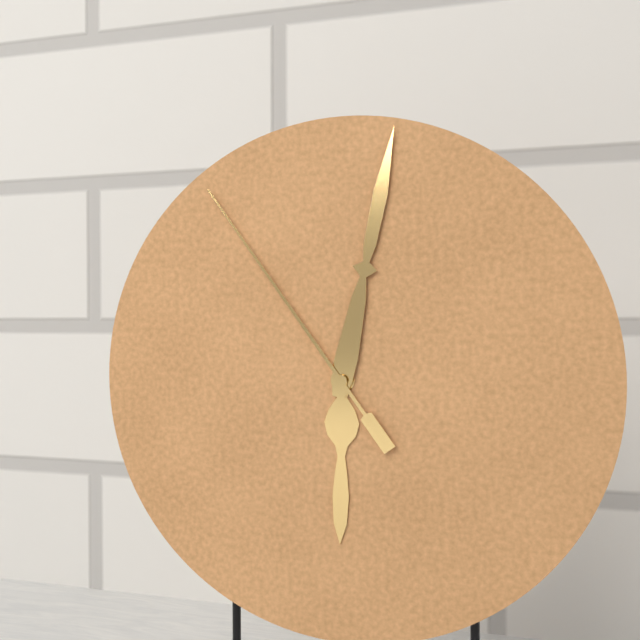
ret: 6:02:54
